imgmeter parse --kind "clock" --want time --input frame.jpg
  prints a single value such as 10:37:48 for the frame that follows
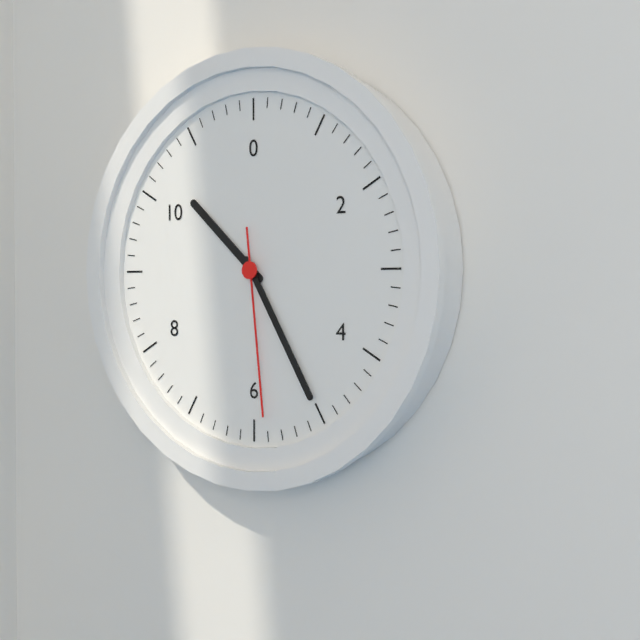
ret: 10:25:29
